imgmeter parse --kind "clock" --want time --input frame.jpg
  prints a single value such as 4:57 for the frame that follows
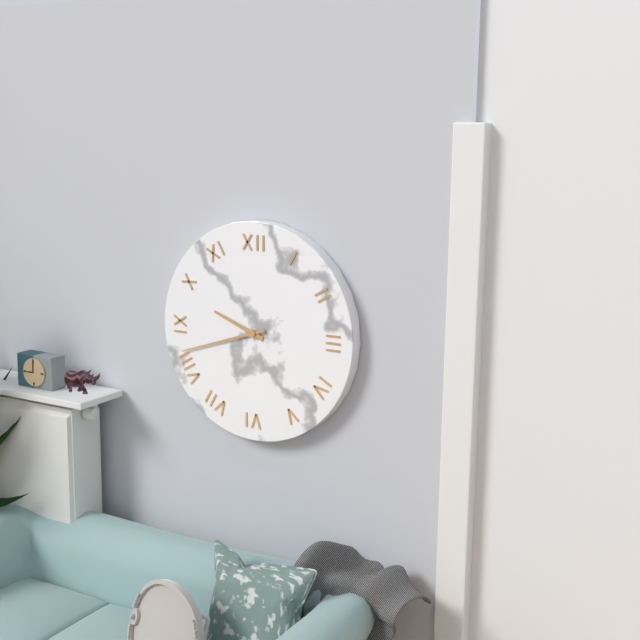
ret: 9:42
